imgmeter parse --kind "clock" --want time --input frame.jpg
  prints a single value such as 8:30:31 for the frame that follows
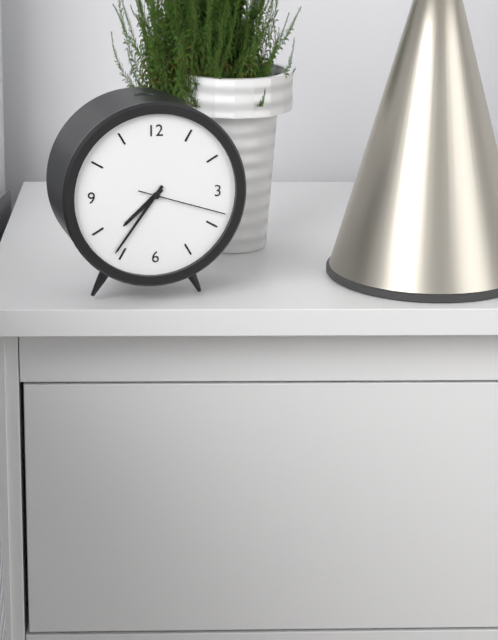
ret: 7:36:18
